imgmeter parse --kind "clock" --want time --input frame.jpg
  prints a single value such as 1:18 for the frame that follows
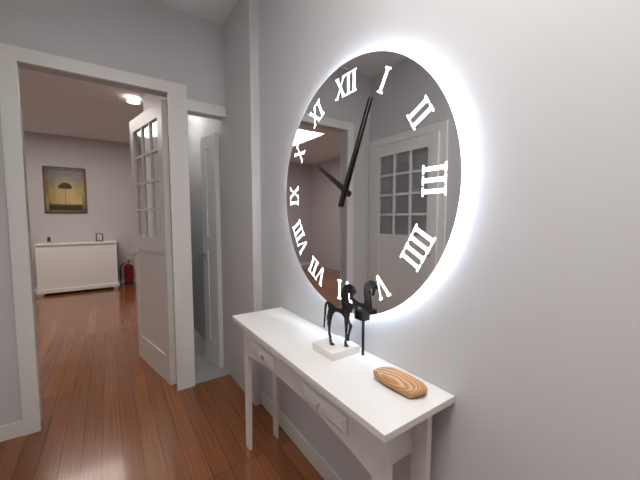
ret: 10:04
